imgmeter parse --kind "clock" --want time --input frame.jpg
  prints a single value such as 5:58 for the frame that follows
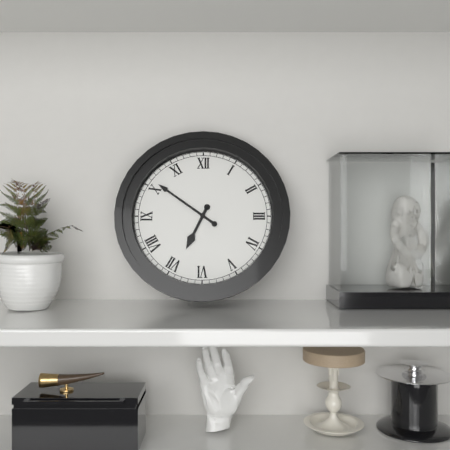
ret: 6:51
